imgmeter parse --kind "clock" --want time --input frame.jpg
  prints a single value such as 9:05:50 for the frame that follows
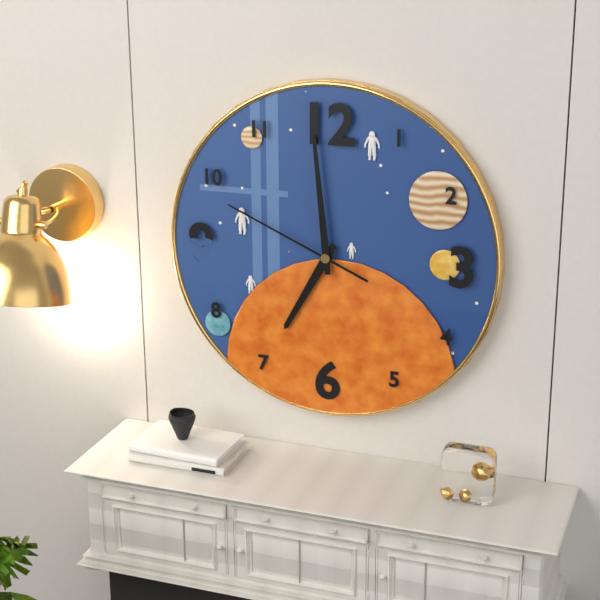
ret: 6:59:49
